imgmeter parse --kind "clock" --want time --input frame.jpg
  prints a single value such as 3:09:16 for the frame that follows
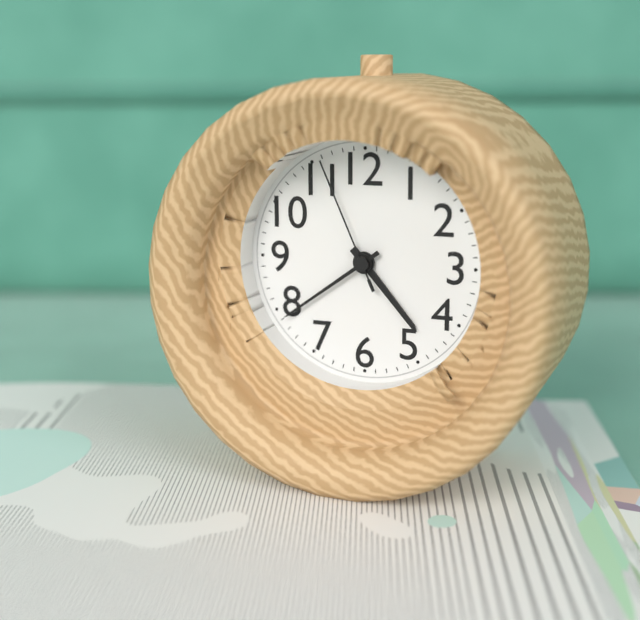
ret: 4:39:56
